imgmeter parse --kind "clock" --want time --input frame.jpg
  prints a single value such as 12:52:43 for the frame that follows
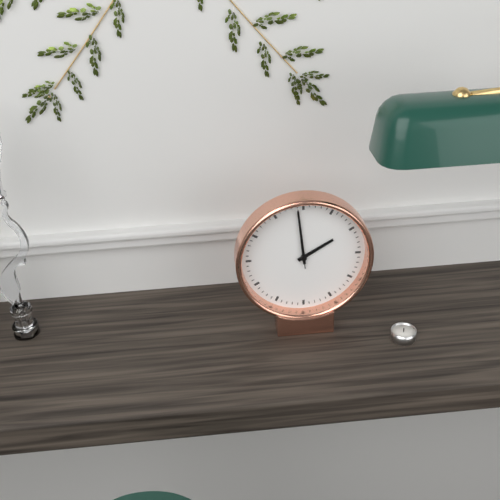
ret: 1:59:59
